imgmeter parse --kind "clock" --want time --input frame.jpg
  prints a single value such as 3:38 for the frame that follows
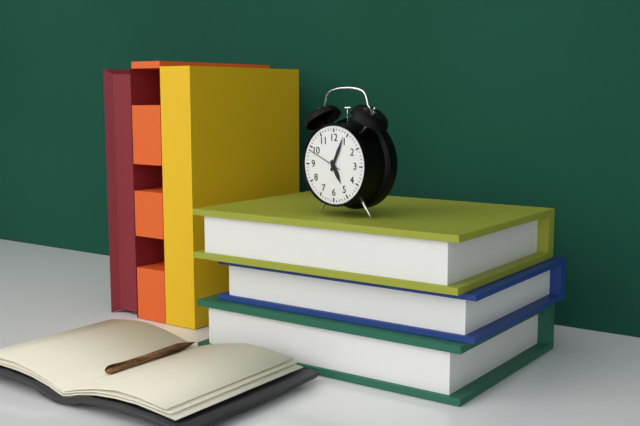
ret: 5:04
